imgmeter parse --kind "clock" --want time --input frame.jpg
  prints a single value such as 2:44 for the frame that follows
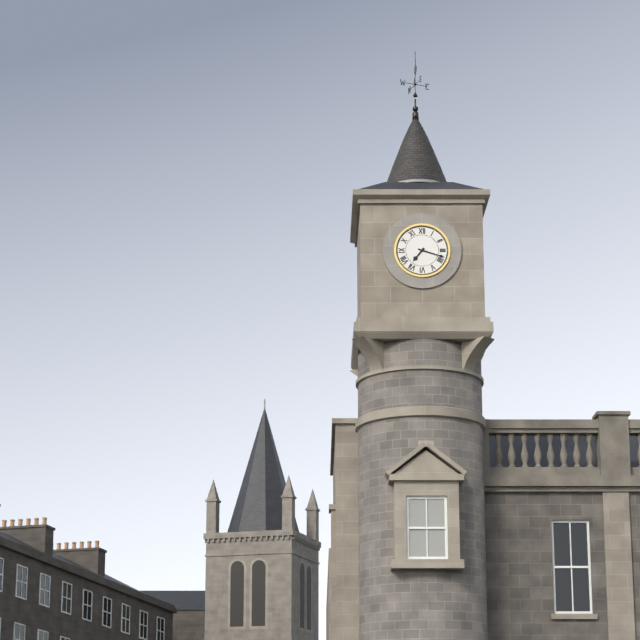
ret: 7:18
